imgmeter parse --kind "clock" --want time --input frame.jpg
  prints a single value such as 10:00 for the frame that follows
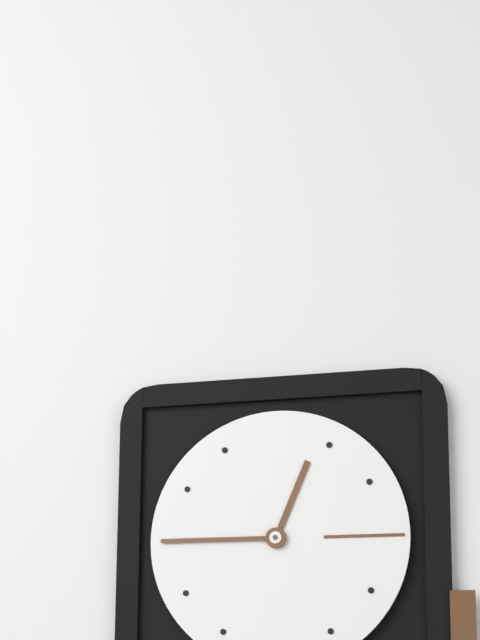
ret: 12:45
